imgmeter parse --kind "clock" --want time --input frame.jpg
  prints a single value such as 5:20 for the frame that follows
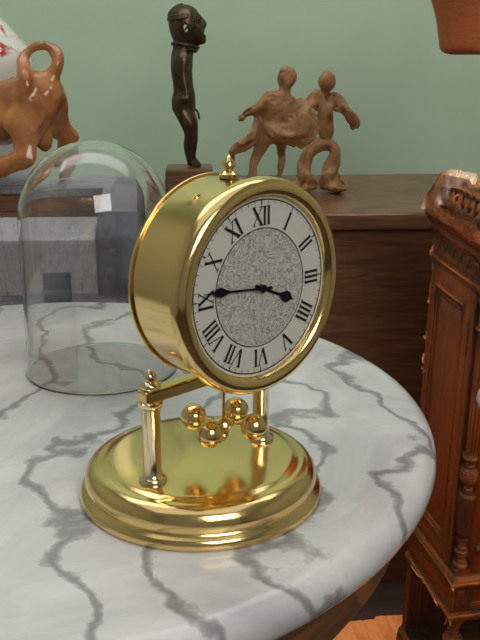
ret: 3:46
